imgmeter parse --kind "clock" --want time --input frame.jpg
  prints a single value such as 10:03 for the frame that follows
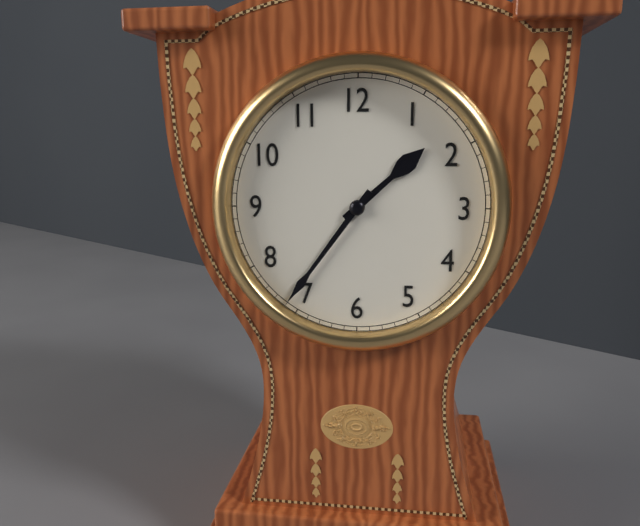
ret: 1:36
